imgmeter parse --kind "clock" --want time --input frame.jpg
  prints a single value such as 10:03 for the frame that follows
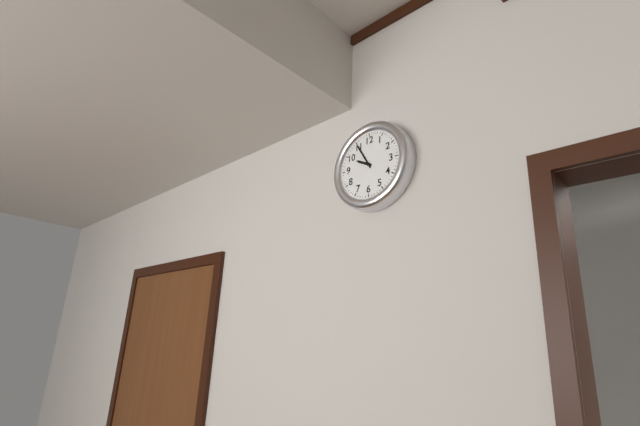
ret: 9:55
